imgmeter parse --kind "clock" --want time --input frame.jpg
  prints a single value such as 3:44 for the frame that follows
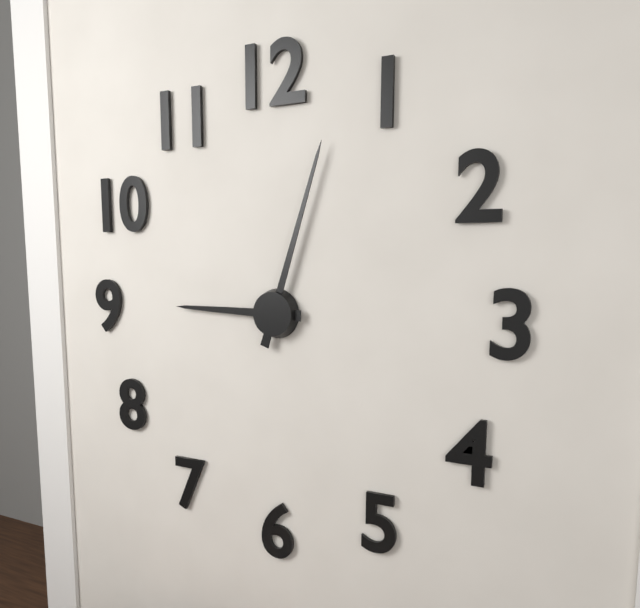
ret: 9:03
